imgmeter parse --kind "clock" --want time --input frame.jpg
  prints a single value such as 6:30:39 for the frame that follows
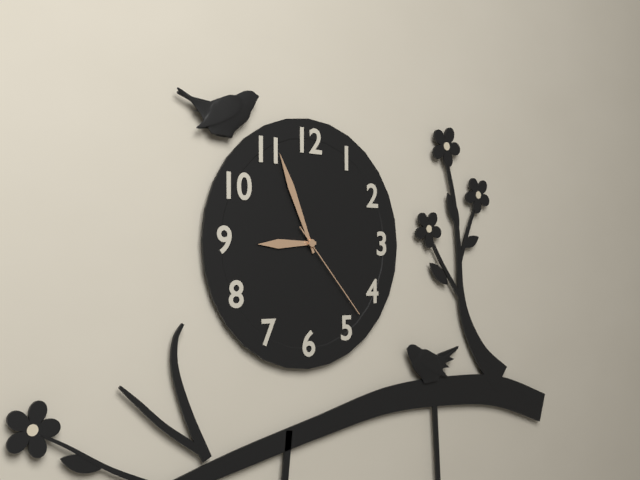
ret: 8:56:23
